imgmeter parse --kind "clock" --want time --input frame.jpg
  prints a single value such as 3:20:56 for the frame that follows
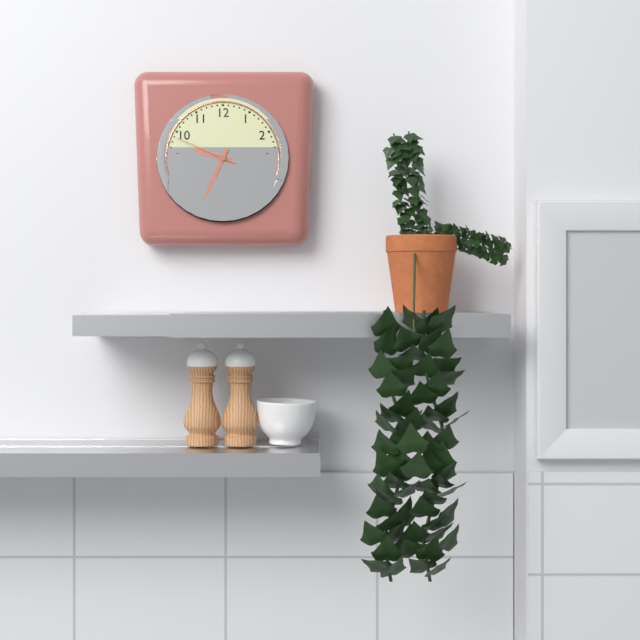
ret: 9:34:49
